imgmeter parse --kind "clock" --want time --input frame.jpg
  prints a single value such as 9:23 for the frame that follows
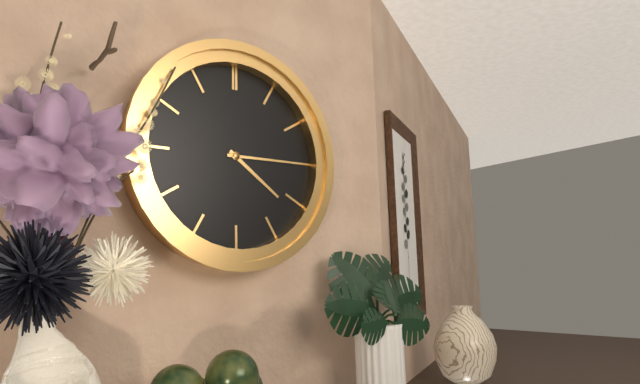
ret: 4:15
